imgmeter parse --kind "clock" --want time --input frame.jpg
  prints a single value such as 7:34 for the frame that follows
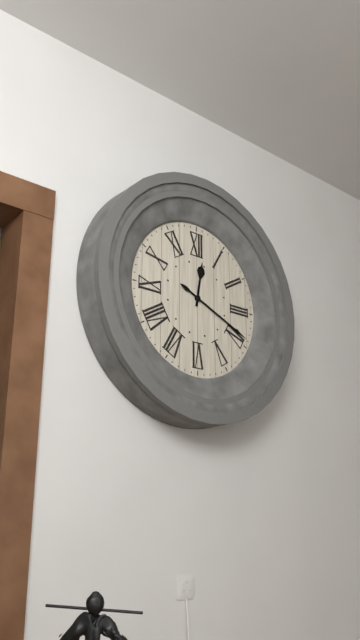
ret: 12:19
